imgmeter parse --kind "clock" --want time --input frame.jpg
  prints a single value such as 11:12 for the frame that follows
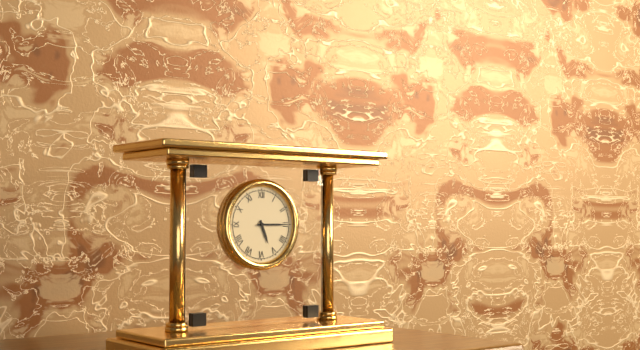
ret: 5:15
